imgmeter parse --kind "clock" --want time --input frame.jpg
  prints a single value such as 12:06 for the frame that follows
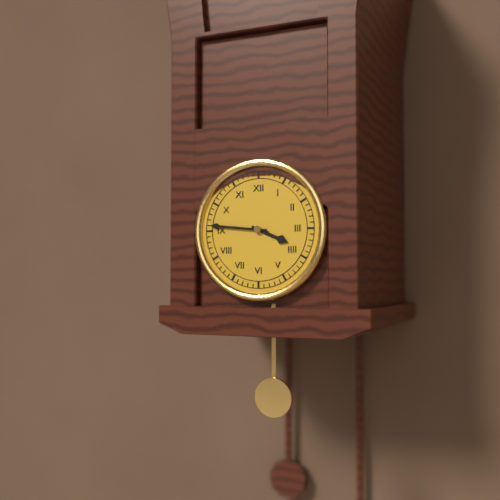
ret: 3:46
